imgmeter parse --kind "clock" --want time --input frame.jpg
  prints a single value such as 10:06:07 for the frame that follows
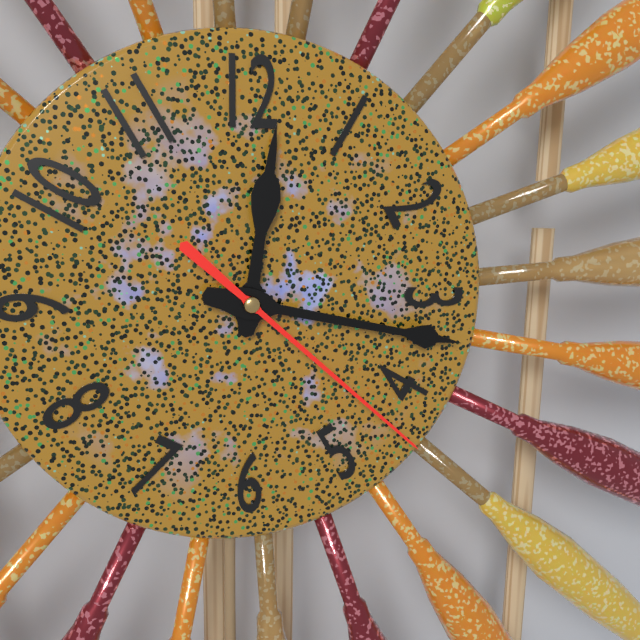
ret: 12:17:22
